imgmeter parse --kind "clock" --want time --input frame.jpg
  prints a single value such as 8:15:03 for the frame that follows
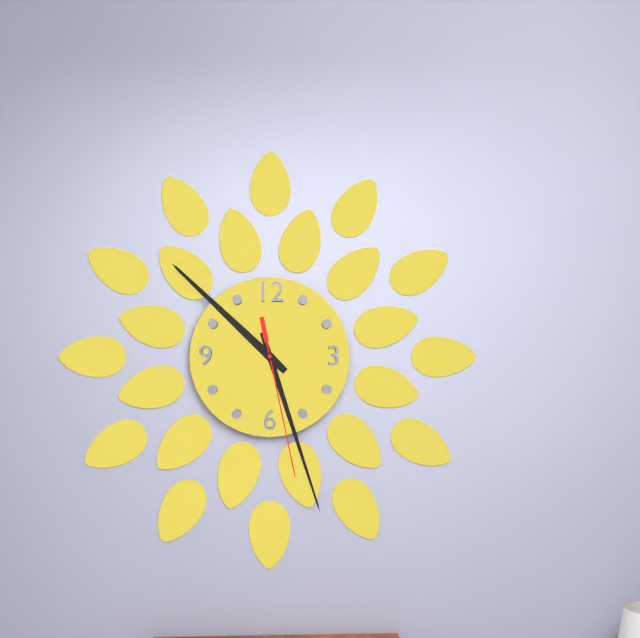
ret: 10:27:28
